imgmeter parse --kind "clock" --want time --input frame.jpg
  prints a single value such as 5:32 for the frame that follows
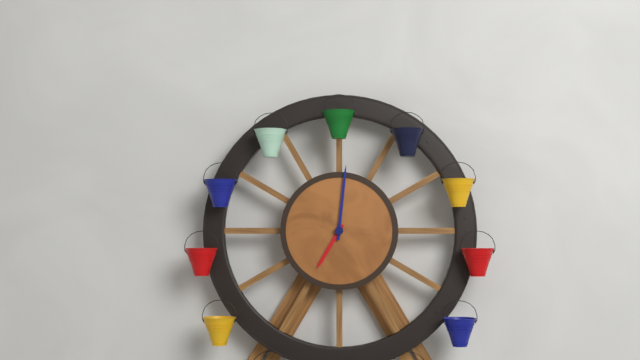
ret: 7:01
